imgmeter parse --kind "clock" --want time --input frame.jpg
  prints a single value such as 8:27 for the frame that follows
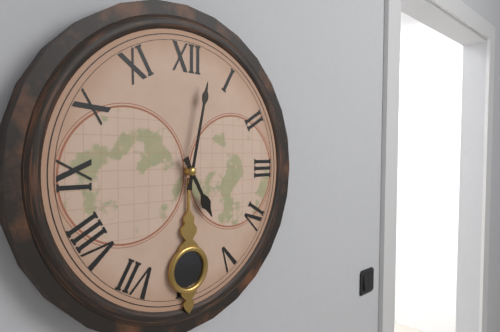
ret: 5:02
